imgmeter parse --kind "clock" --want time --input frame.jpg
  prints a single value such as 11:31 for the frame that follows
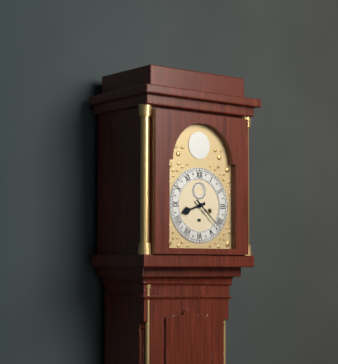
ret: 8:22
